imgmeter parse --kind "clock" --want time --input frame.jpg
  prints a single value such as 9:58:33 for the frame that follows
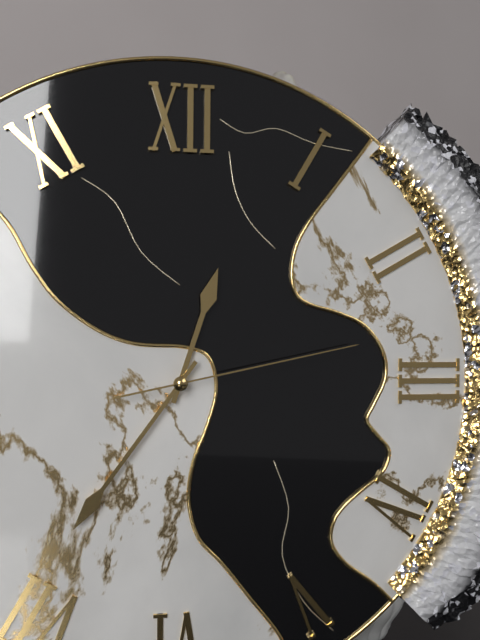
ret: 12:36:13
